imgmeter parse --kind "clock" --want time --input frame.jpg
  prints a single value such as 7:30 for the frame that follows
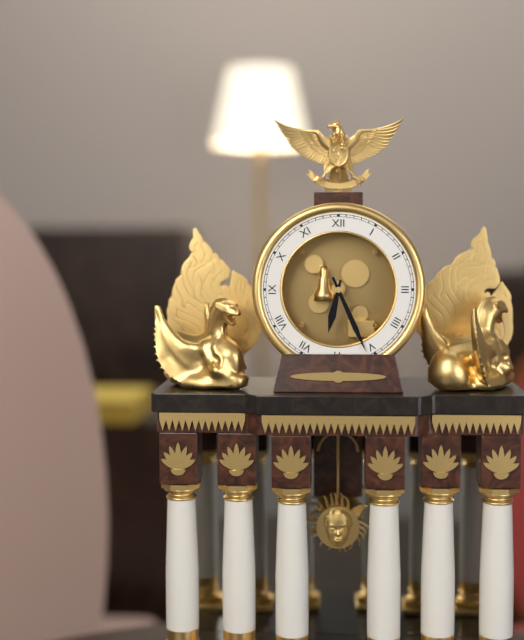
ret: 6:26
